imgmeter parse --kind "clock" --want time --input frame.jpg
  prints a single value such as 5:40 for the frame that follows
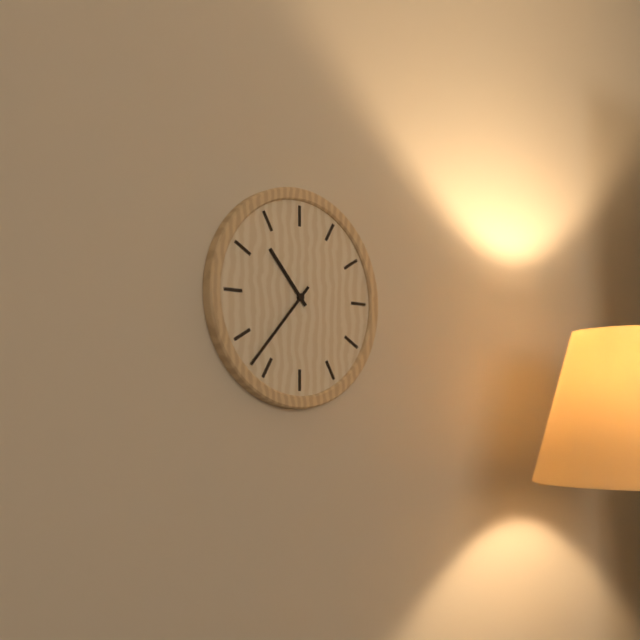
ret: 10:37
